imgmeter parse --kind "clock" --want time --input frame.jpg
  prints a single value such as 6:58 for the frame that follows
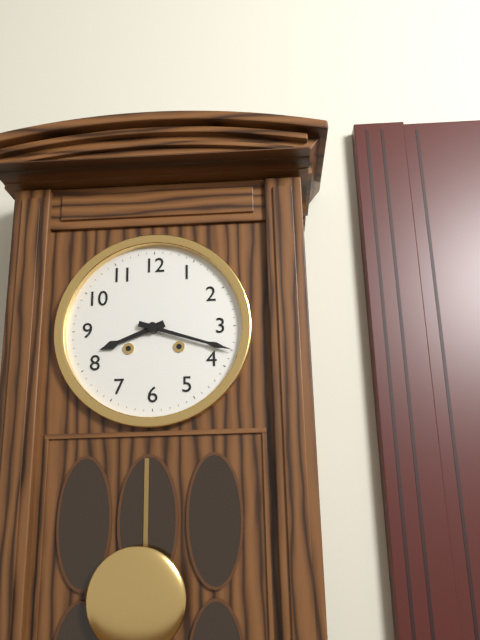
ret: 8:18
